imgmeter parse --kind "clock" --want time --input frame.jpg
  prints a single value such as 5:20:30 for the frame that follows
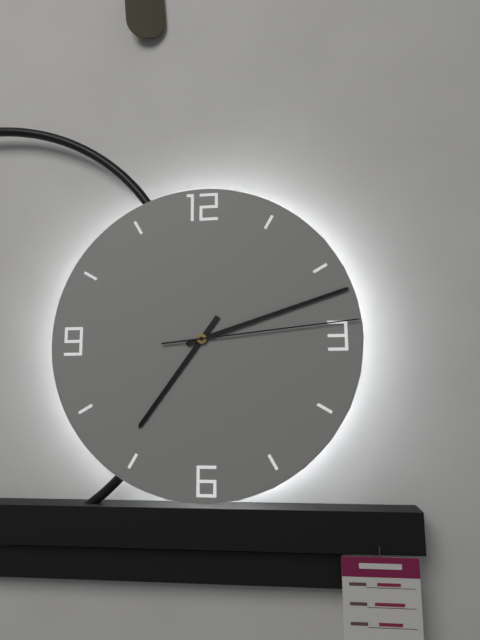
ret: 7:12:14
